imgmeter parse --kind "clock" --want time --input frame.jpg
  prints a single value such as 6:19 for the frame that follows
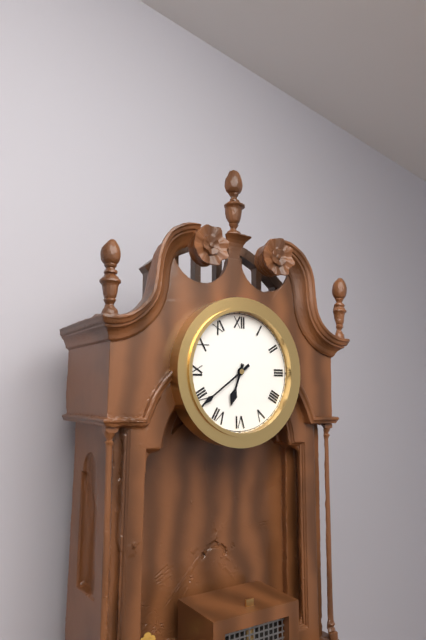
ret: 6:39
